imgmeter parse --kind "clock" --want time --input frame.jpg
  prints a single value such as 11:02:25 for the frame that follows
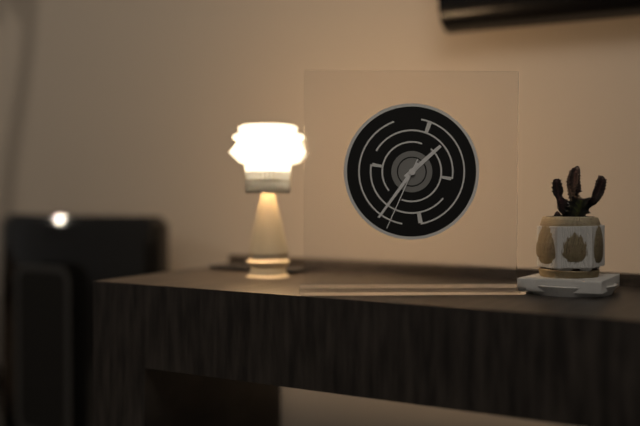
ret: 1:36:34
